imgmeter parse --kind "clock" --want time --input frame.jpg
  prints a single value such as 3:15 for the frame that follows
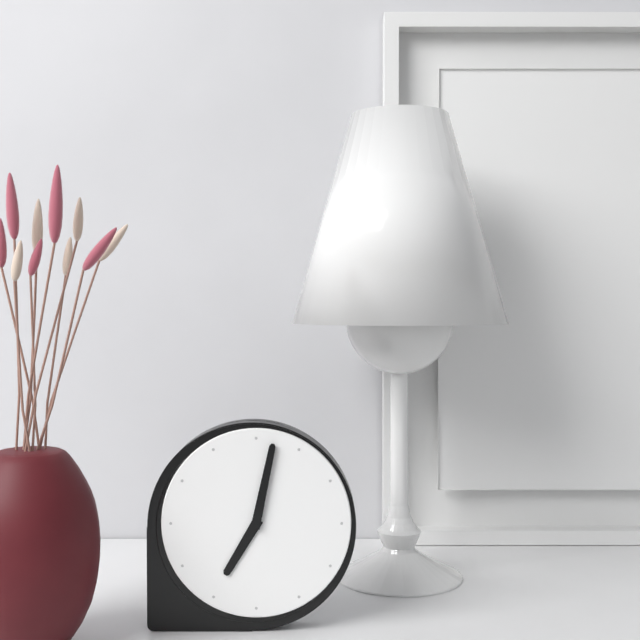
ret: 7:02
